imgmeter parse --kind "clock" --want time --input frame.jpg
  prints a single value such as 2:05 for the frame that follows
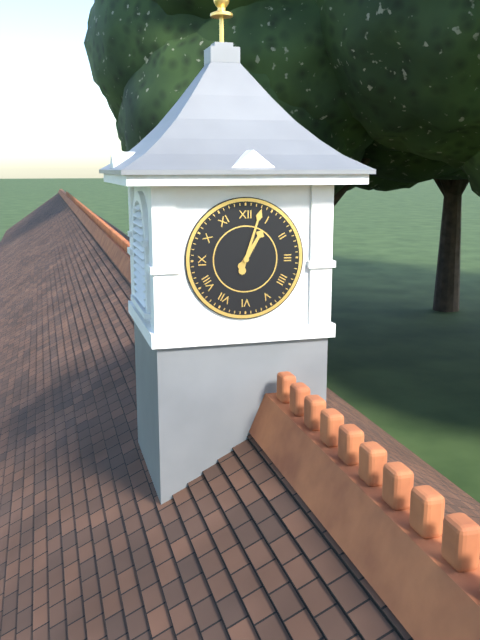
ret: 1:03
